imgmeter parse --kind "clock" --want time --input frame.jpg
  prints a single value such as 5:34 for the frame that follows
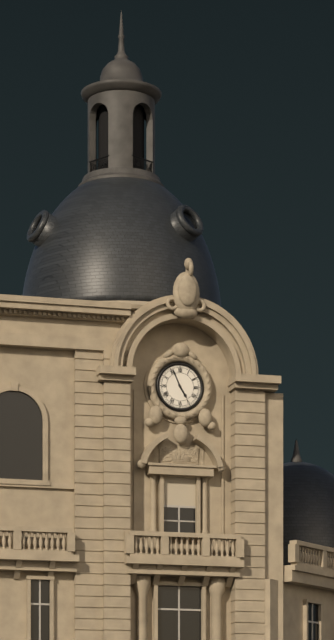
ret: 4:56
